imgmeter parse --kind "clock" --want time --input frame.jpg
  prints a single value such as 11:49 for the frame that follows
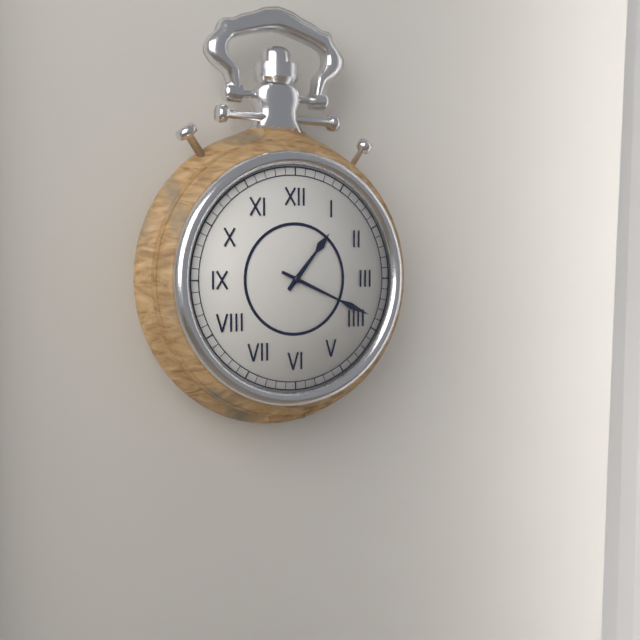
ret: 1:19
